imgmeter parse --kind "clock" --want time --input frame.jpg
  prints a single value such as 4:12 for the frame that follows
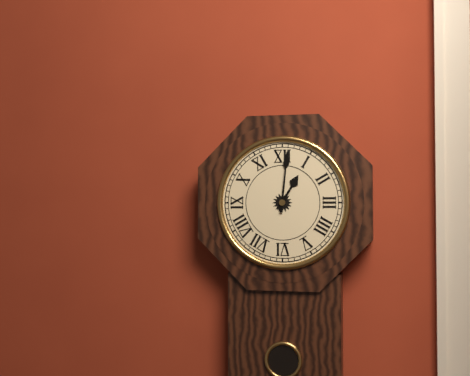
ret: 1:01
